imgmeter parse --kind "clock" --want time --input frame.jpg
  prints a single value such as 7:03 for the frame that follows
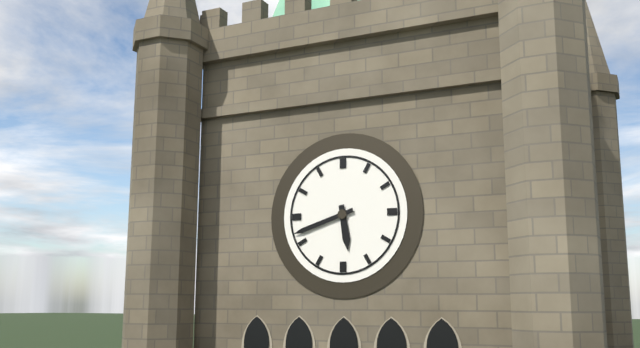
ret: 5:42
